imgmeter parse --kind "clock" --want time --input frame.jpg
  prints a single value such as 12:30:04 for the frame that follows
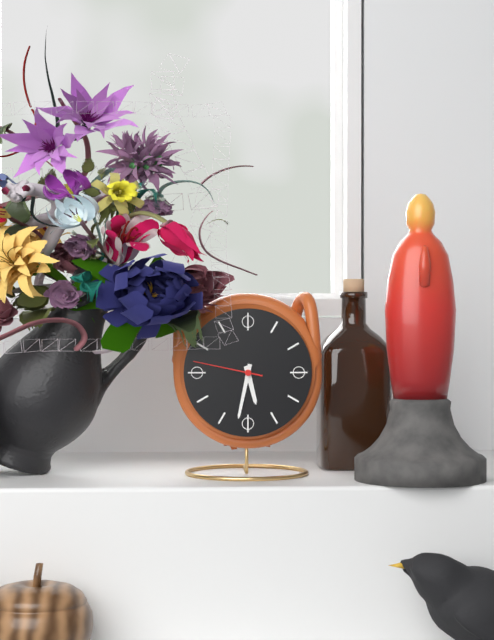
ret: 5:32:47
